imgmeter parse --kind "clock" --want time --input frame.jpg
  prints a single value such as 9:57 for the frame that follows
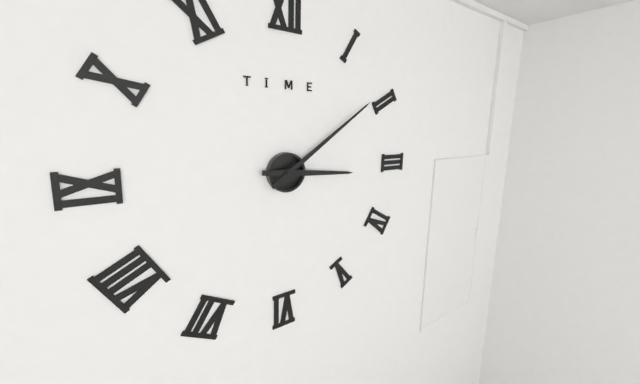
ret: 3:09
